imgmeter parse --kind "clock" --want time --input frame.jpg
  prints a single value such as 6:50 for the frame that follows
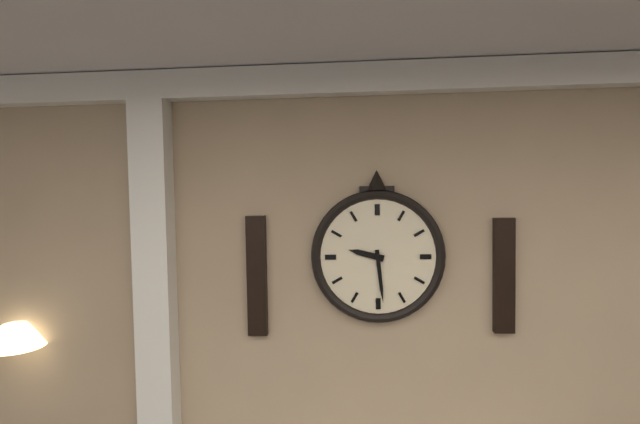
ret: 9:29
